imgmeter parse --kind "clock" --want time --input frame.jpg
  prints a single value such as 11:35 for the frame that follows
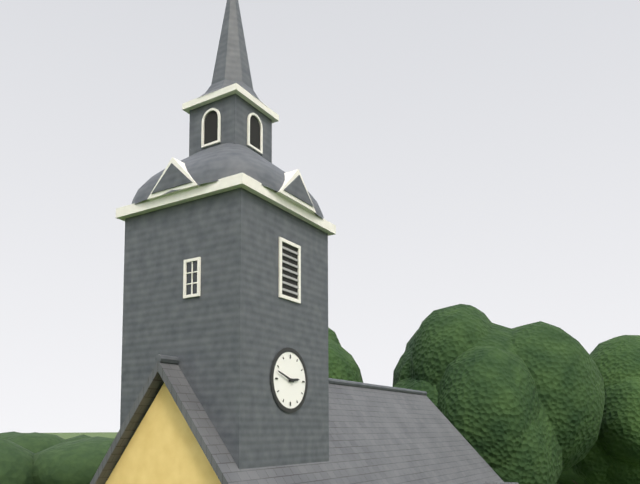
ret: 2:48
